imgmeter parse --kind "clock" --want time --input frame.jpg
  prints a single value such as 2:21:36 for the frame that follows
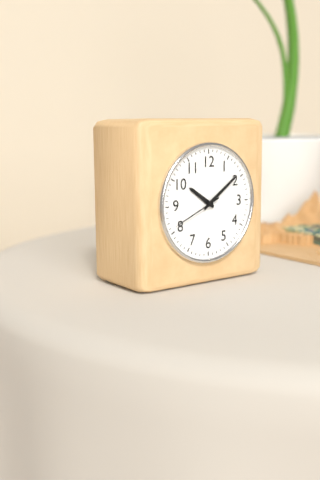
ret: 10:09:41
